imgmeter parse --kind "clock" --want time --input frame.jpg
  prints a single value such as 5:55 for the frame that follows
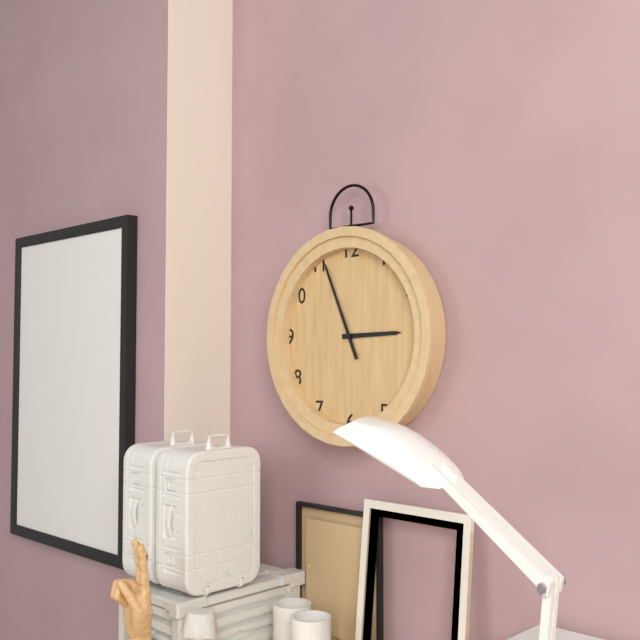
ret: 2:56
